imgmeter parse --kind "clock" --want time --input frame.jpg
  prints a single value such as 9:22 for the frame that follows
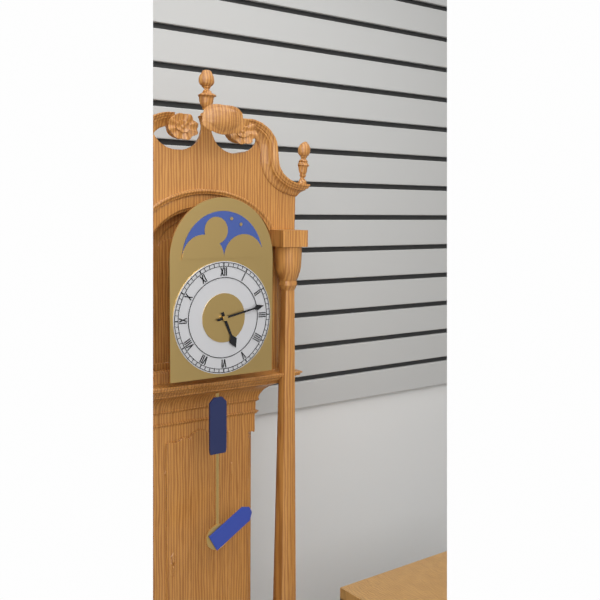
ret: 5:13
